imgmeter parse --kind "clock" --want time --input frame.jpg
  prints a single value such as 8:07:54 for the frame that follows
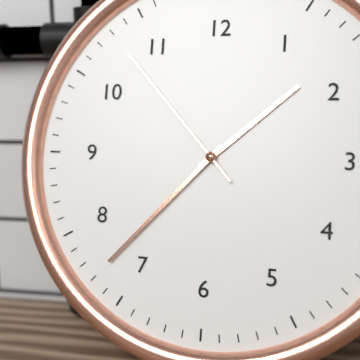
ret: 1:37:53
